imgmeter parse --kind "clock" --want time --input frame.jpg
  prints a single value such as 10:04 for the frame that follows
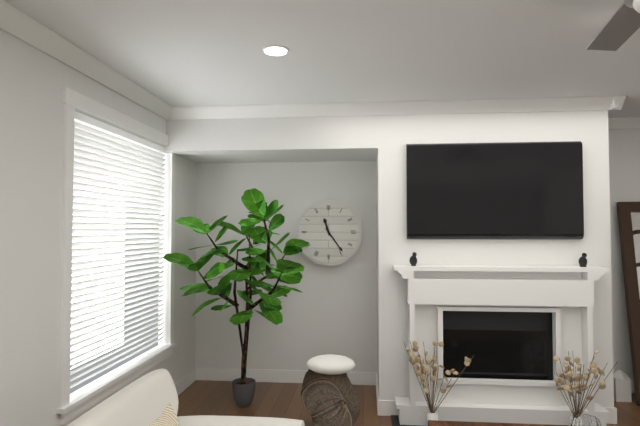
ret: 11:24
